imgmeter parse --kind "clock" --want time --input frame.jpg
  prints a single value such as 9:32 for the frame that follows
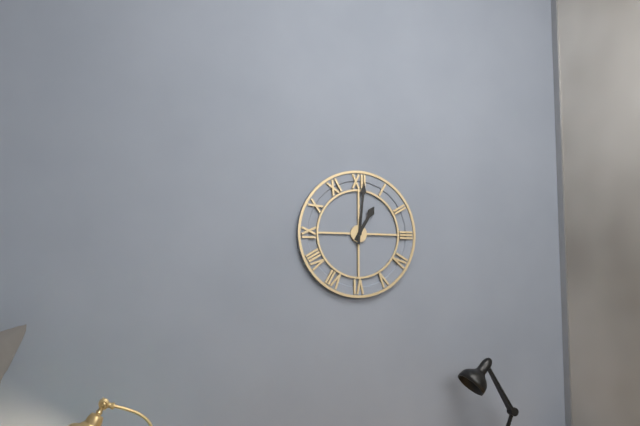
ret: 1:01
